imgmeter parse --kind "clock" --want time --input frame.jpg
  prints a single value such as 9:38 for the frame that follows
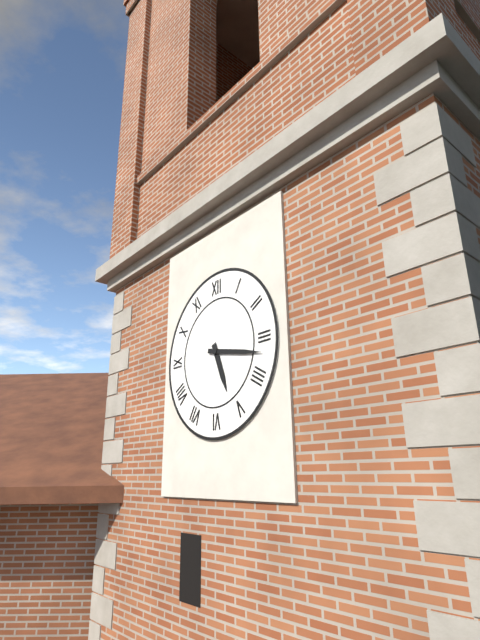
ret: 5:17
